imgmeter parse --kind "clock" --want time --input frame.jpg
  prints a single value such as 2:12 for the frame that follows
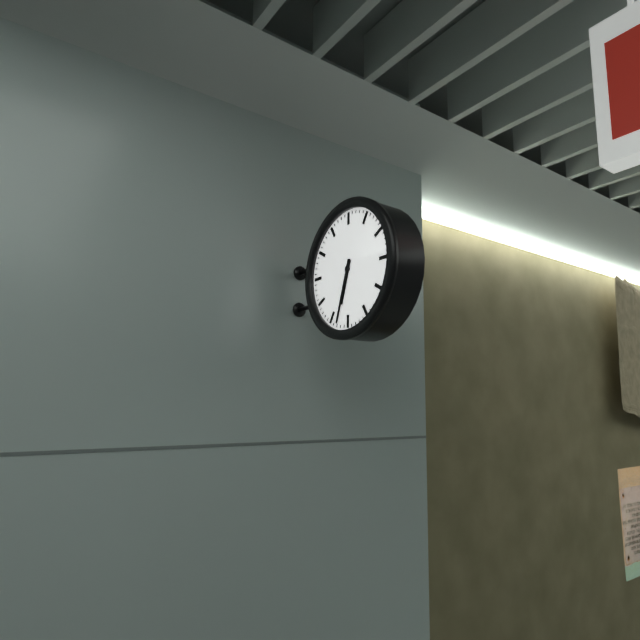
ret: 6:33
